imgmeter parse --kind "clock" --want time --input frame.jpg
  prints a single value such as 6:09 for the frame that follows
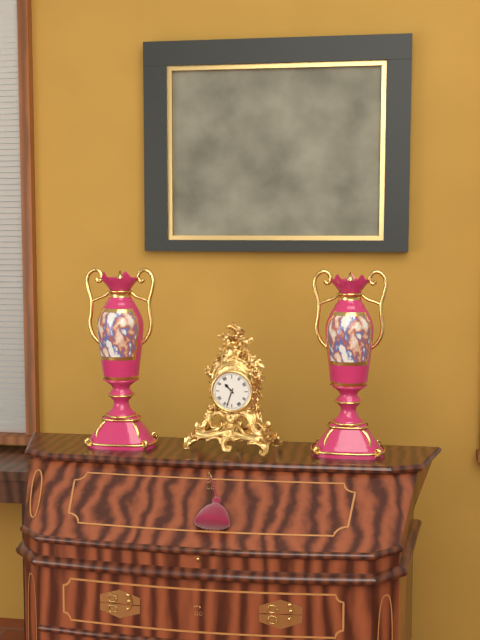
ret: 10:33
